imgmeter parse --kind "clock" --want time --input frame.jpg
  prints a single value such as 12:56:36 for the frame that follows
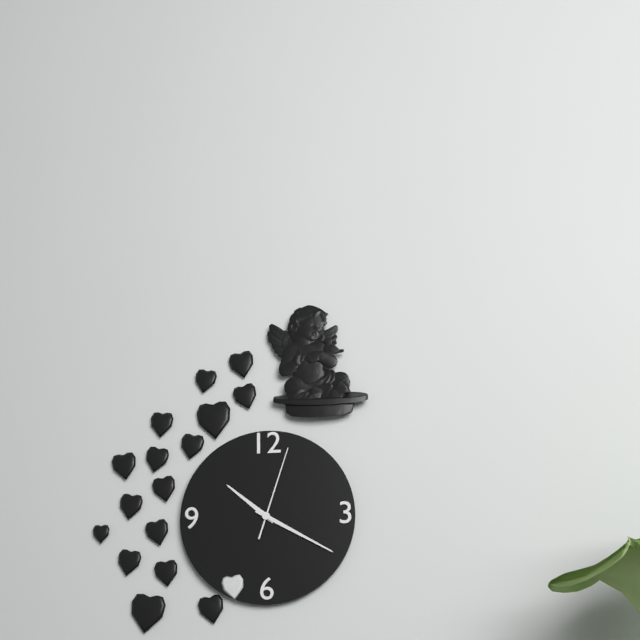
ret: 10:20:03
